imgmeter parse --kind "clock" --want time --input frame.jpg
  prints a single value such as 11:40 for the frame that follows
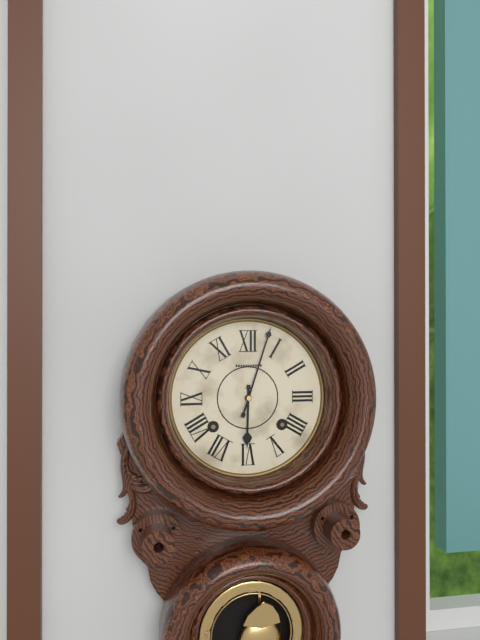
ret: 6:03
